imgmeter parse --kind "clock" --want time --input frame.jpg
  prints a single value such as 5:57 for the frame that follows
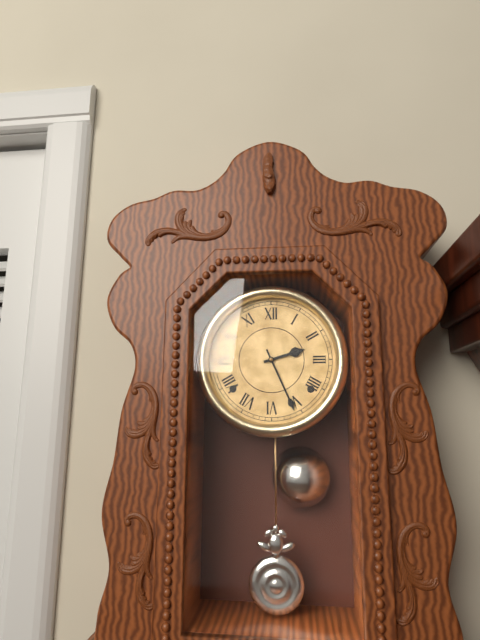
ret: 2:26
